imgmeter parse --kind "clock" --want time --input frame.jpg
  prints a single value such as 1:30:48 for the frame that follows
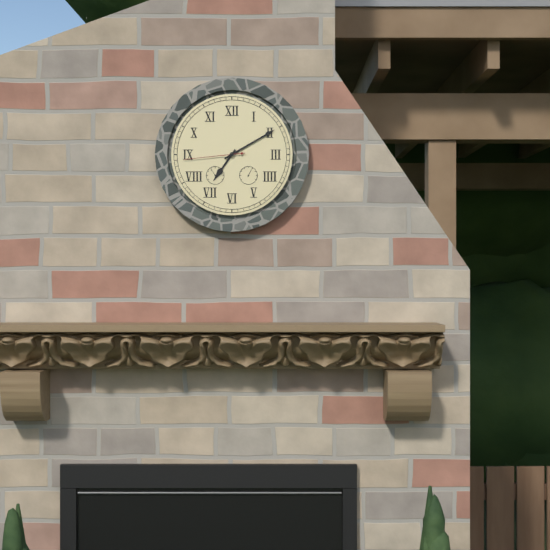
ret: 7:10:44
